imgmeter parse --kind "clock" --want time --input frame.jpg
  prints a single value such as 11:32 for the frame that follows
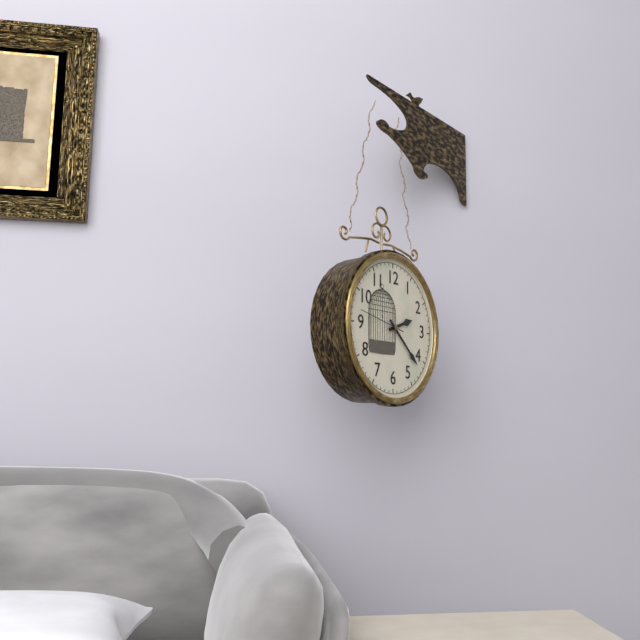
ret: 2:22
